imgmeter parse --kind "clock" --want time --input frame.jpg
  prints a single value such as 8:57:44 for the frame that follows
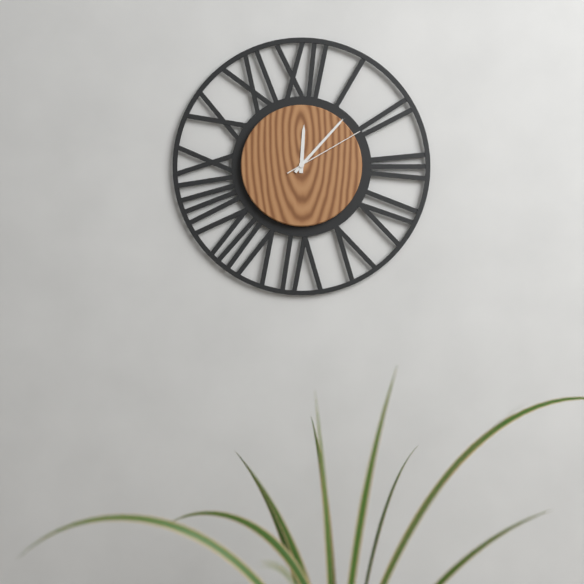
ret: 12:07:10
